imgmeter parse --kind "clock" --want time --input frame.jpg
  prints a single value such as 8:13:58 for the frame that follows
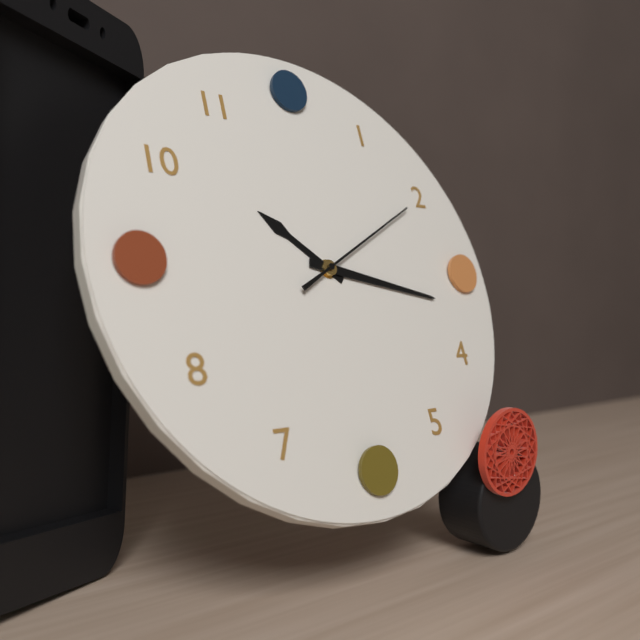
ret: 10:17:10
